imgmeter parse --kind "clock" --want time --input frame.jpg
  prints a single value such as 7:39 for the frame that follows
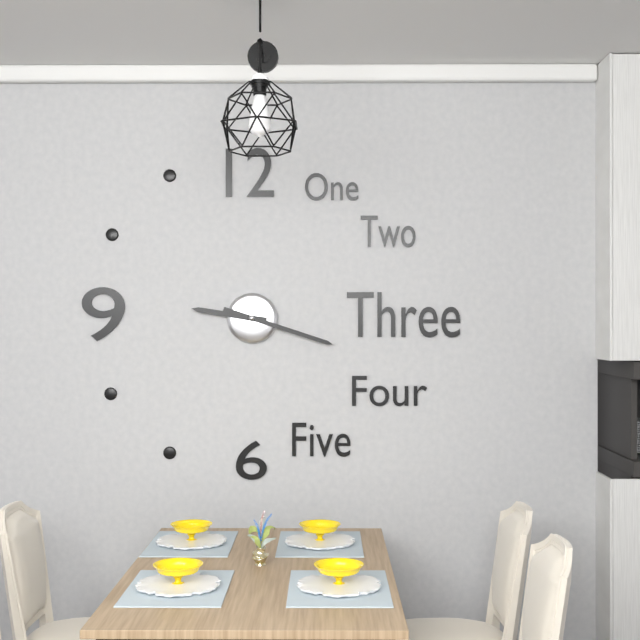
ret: 9:18
